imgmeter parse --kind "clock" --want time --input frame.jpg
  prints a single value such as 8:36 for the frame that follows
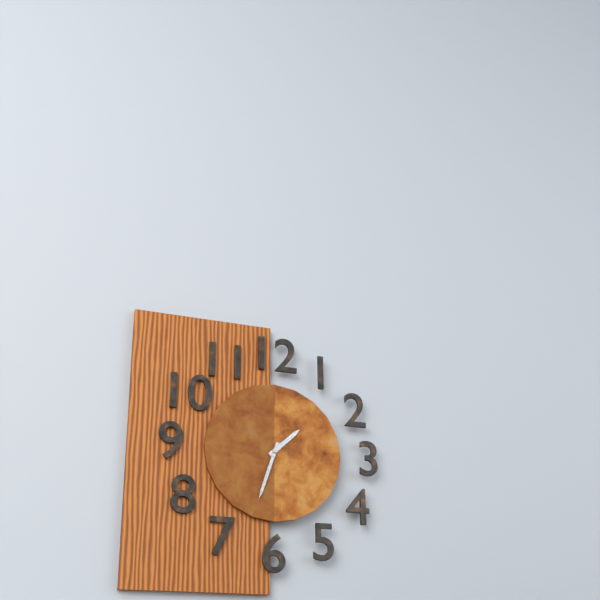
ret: 1:33
